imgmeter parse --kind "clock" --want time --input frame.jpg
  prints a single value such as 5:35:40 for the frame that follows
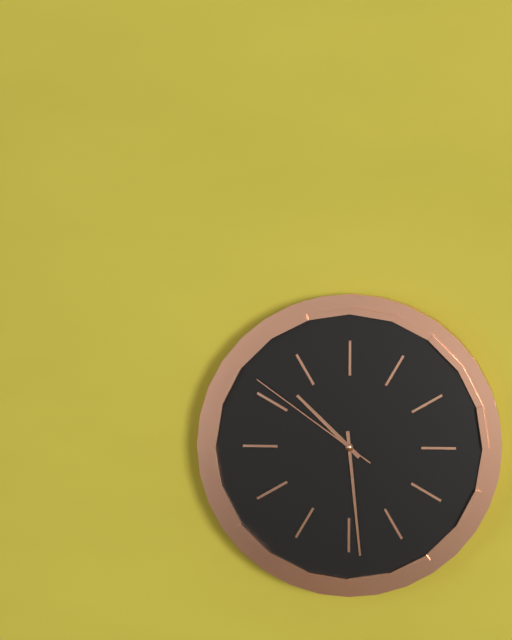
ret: 10:29:51
